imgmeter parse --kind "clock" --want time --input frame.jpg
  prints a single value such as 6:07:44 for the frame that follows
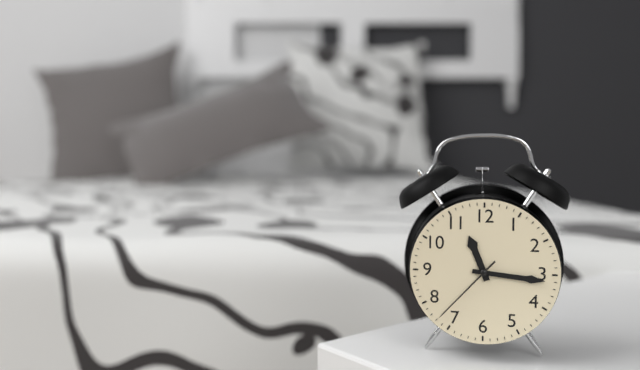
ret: 11:16:37
